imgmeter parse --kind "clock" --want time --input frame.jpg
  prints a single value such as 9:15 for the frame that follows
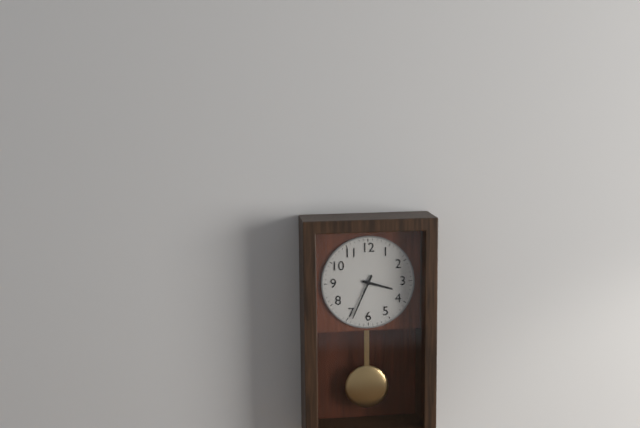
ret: 3:34
